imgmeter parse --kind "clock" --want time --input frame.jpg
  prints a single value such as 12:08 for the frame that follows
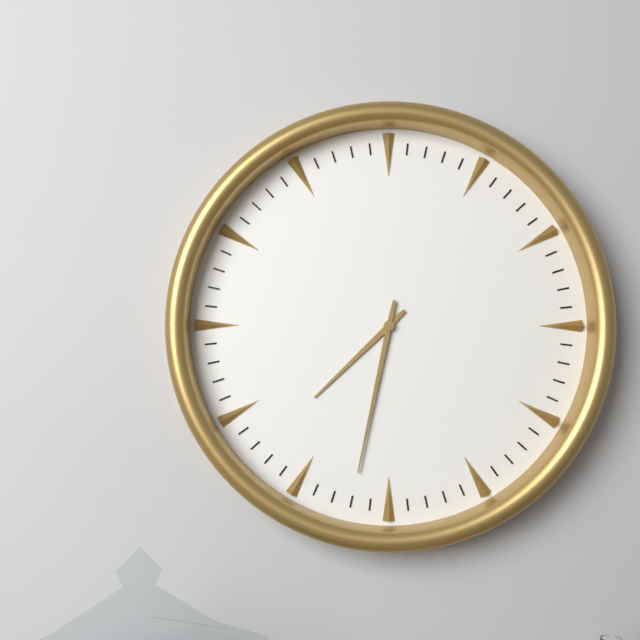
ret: 7:32
